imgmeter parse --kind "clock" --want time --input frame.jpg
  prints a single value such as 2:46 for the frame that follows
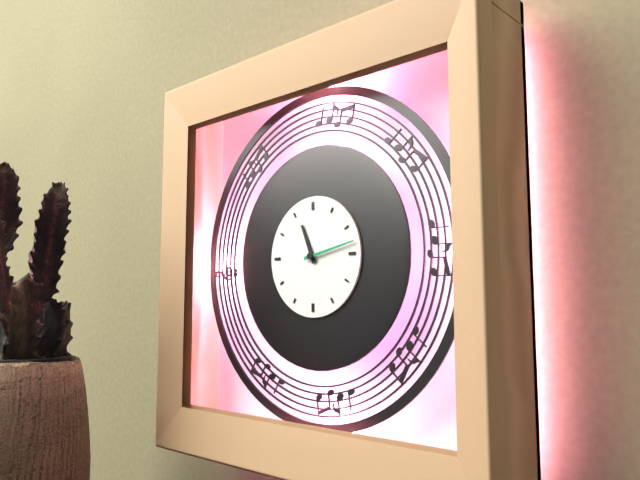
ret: 11:13
